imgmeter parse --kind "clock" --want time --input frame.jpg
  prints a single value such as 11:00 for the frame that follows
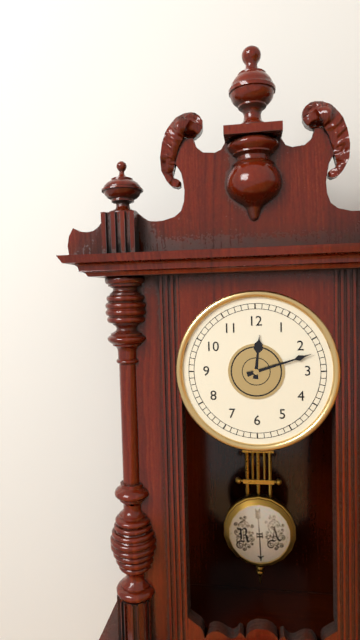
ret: 12:12
